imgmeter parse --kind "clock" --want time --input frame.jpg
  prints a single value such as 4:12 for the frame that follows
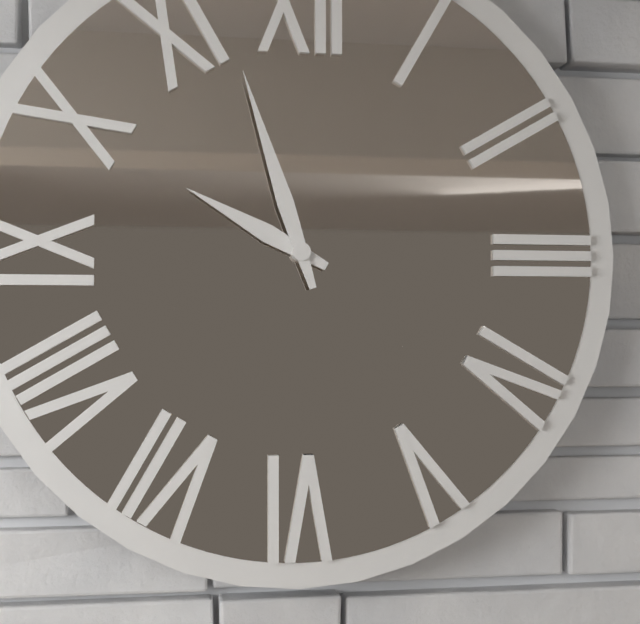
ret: 9:57
